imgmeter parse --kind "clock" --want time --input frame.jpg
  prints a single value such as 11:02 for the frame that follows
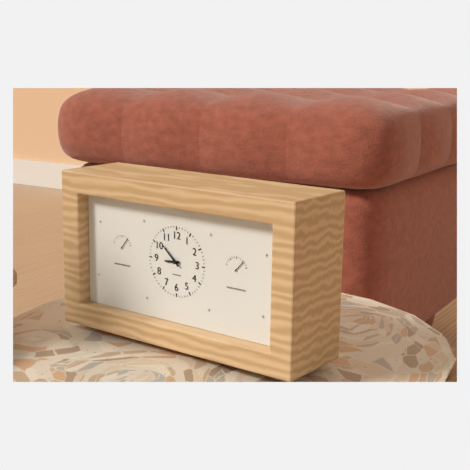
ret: 8:52
